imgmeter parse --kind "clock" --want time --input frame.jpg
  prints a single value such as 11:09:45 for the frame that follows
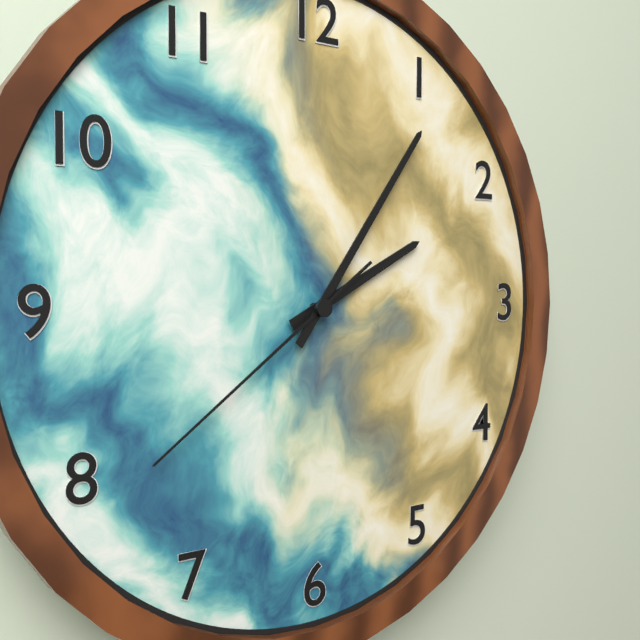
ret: 2:06:39
